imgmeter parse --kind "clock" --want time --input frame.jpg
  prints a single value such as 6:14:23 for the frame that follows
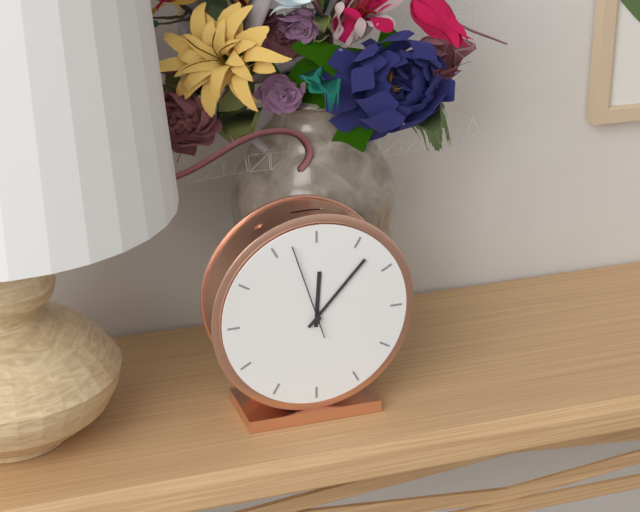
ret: 12:07:57
